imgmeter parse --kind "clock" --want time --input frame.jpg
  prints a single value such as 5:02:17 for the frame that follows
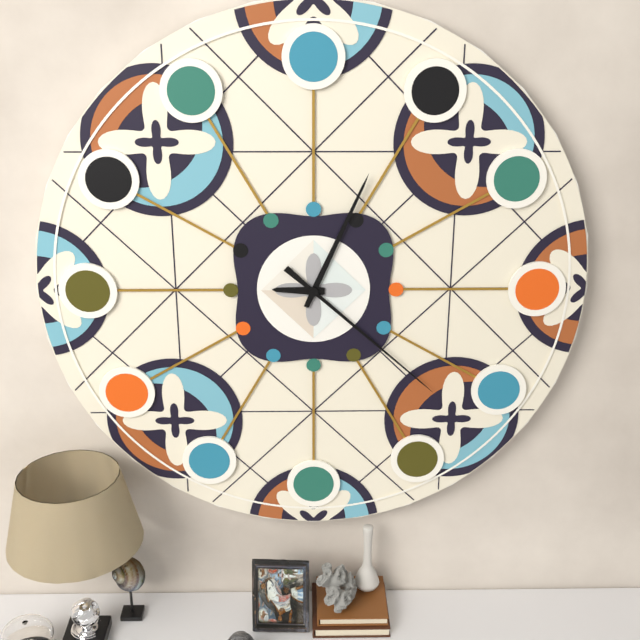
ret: 9:04:22
